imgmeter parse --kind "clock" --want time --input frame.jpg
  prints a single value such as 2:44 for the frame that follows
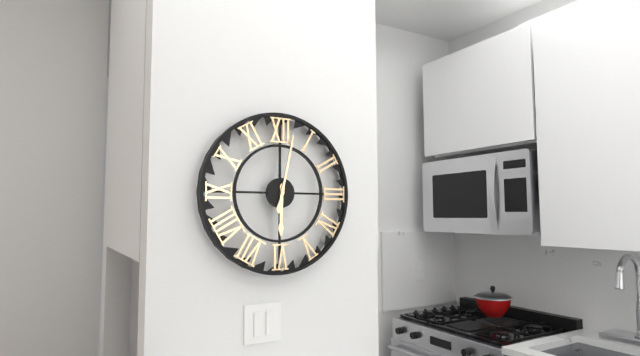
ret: 6:02
